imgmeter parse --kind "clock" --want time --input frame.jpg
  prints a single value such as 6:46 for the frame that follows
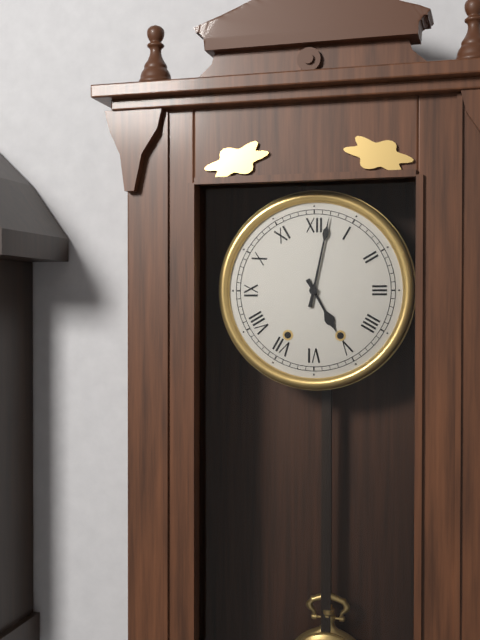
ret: 5:02
